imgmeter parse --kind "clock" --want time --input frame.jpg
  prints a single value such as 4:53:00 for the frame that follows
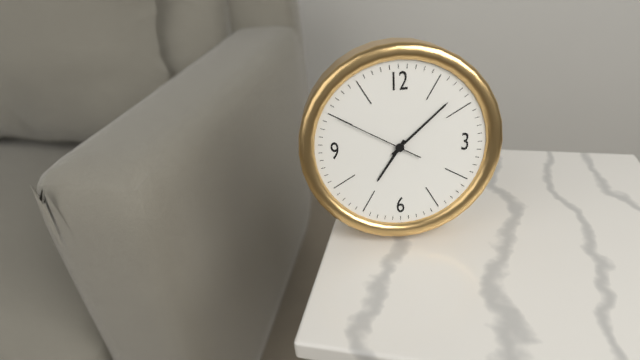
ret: 7:08:50
